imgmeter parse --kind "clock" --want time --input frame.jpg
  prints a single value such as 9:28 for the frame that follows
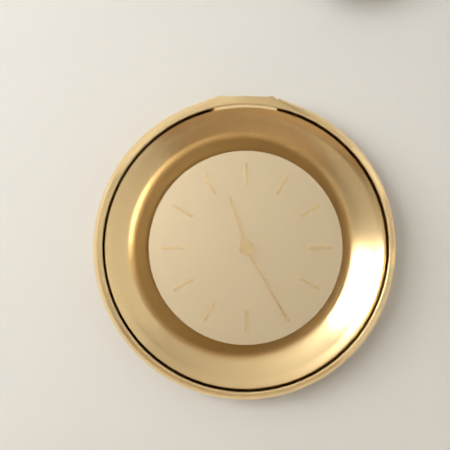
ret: 11:25
